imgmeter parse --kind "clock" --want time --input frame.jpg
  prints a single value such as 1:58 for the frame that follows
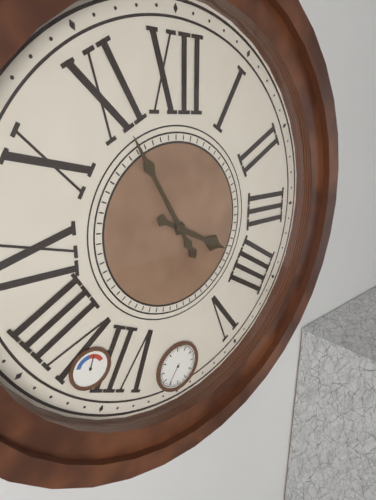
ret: 3:55
